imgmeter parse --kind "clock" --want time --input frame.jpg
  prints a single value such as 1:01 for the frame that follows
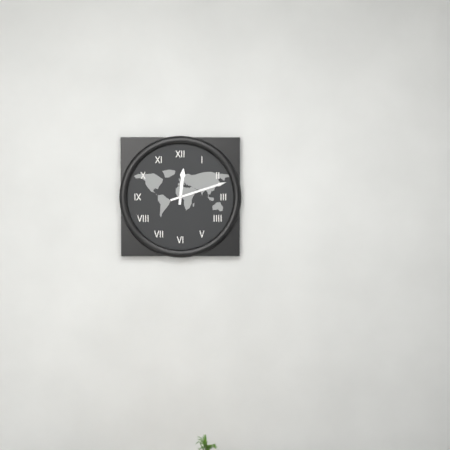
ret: 12:12
